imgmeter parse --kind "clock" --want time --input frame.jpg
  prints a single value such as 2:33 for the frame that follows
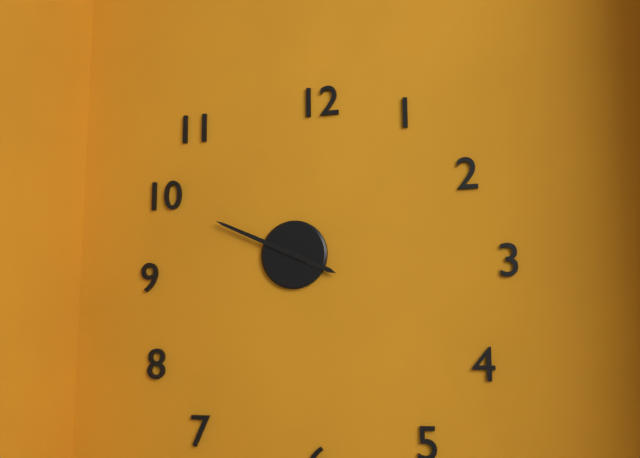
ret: 3:49
